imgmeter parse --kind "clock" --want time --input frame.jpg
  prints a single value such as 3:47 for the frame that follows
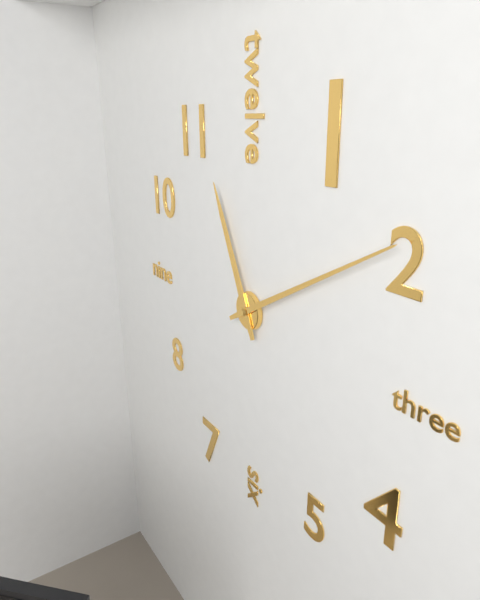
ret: 11:10
